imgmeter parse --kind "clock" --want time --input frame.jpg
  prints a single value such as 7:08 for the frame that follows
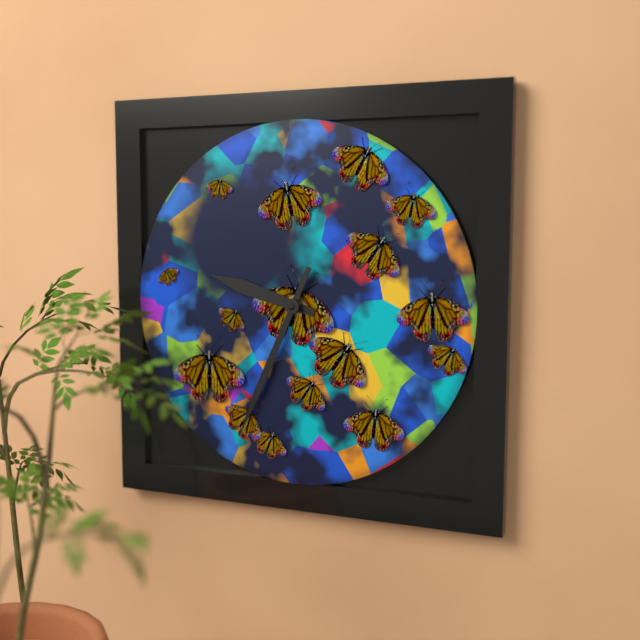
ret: 9:34
